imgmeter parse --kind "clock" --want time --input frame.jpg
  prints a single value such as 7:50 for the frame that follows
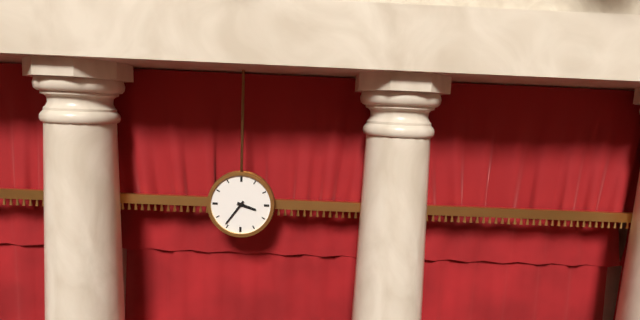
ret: 3:36
